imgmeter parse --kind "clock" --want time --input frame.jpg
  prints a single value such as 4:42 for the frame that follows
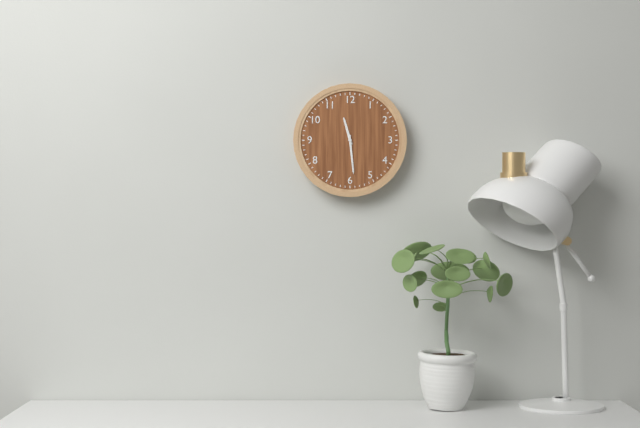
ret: 11:29
